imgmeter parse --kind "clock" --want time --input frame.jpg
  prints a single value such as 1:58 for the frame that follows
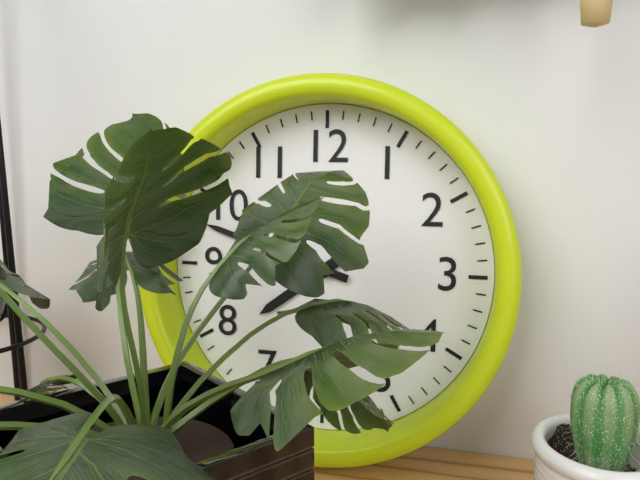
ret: 7:48
